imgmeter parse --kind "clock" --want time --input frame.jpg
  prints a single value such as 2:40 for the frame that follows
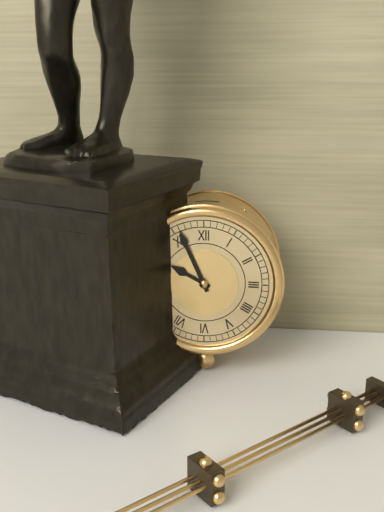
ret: 9:56
